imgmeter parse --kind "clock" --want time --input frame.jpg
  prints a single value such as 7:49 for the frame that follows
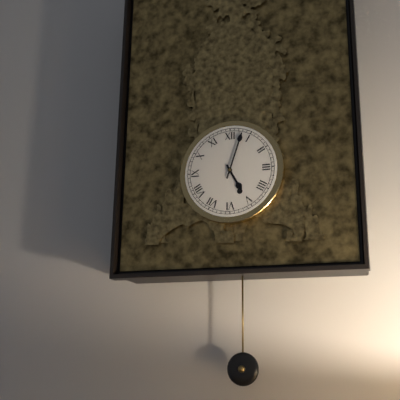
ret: 5:03
